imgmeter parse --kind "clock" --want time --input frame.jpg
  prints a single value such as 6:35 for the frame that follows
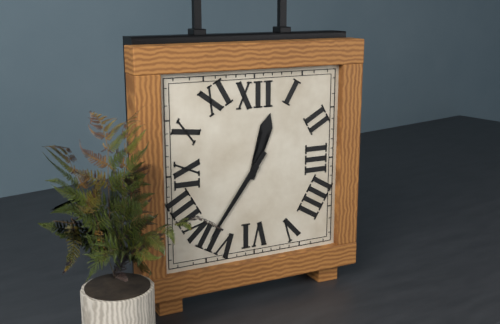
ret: 12:36
